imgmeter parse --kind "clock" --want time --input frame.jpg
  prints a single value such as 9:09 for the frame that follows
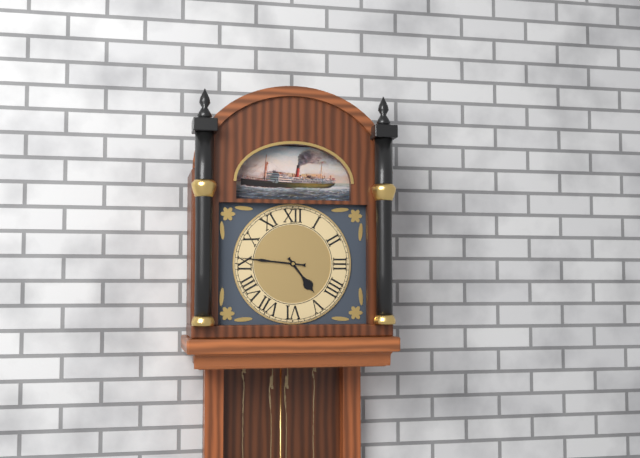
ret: 4:46
